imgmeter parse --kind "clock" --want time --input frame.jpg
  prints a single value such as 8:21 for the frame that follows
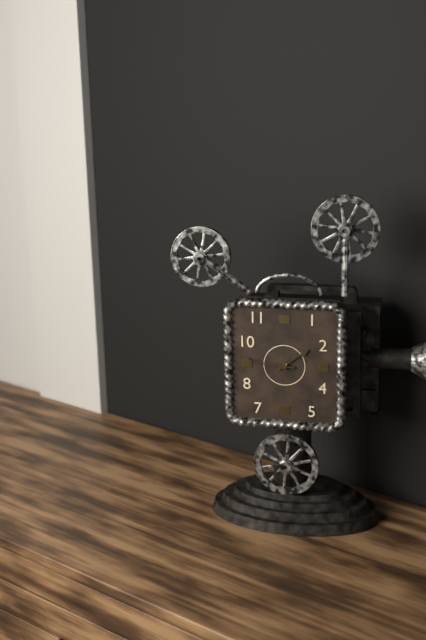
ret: 1:46
